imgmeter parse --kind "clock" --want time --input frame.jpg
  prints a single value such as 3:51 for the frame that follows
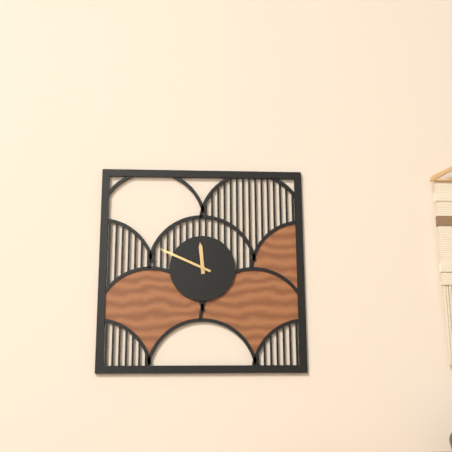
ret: 11:49
